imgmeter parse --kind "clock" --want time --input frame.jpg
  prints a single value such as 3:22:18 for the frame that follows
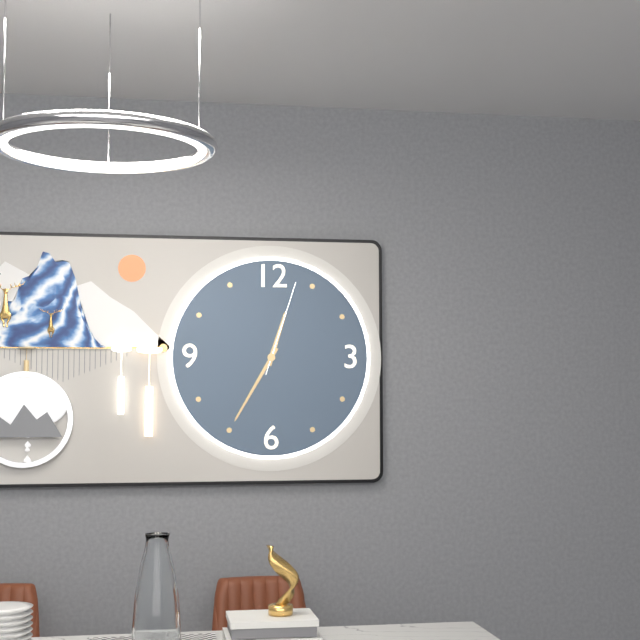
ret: 12:35:03
